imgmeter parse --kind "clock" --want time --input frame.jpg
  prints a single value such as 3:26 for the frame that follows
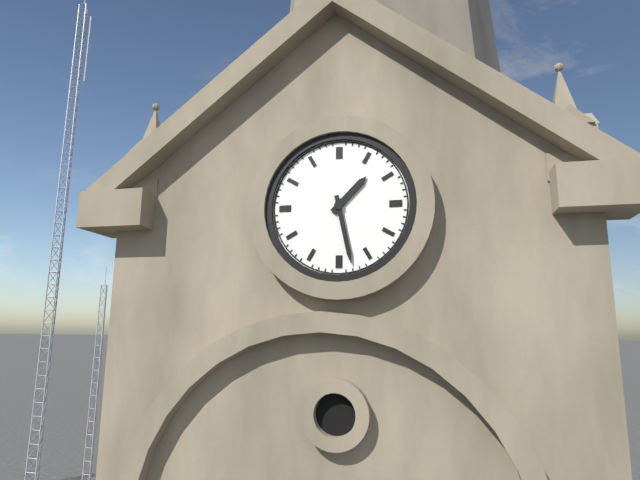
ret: 1:28
